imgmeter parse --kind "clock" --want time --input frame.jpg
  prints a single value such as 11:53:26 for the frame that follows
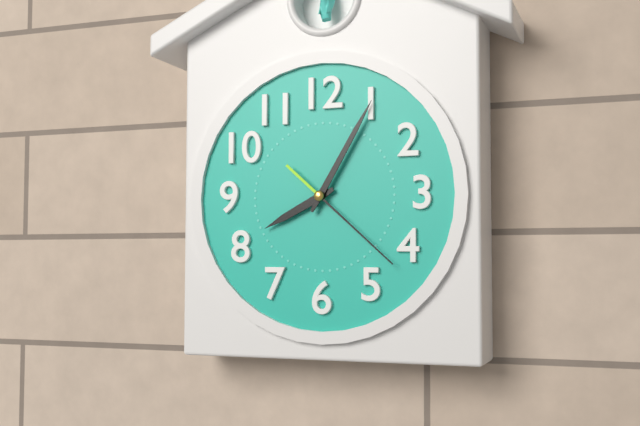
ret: 8:05:22
